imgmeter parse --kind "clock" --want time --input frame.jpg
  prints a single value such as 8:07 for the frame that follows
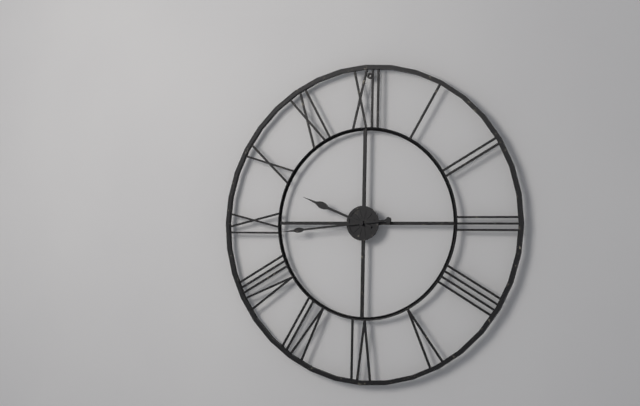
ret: 9:44
